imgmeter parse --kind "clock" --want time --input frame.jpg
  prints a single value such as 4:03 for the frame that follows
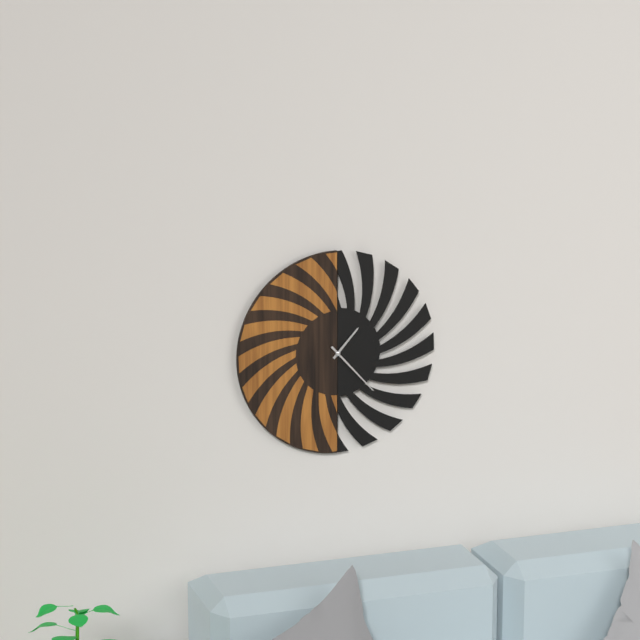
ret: 1:23
